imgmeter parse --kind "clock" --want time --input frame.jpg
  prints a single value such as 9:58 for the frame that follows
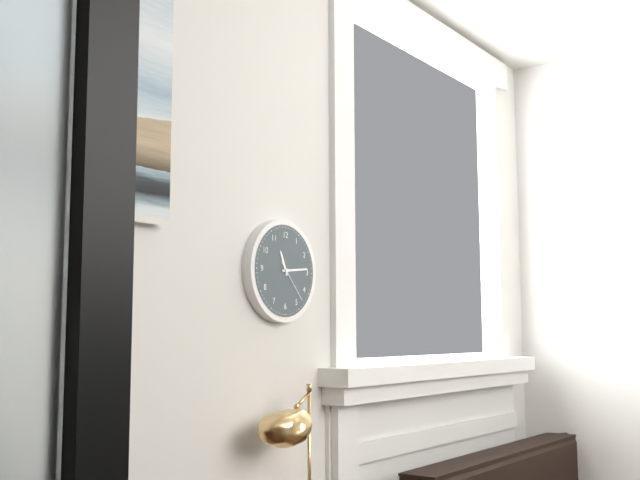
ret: 11:14
